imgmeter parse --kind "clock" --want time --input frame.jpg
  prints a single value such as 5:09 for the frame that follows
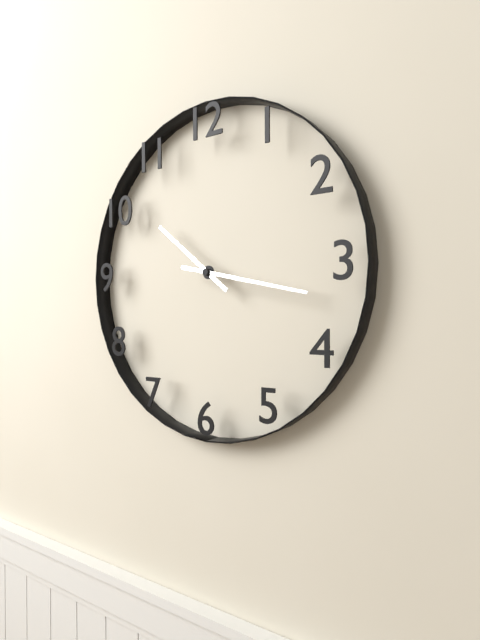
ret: 10:17
